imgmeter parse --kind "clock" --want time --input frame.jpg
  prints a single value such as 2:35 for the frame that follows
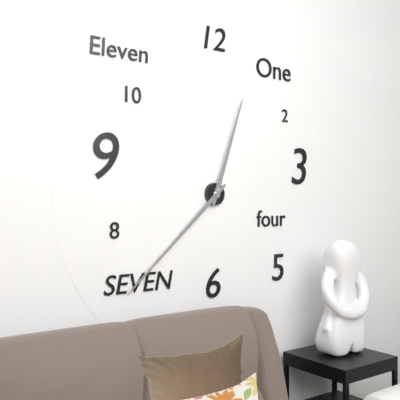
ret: 12:38
